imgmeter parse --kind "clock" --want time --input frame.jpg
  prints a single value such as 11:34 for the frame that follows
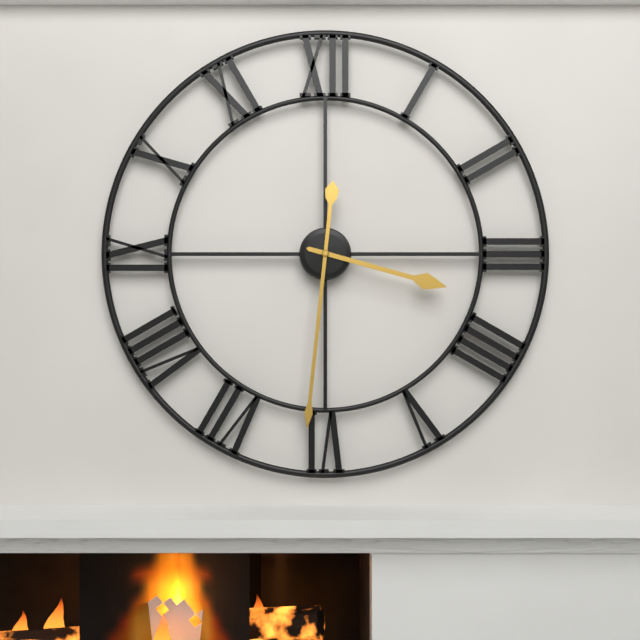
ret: 3:31
